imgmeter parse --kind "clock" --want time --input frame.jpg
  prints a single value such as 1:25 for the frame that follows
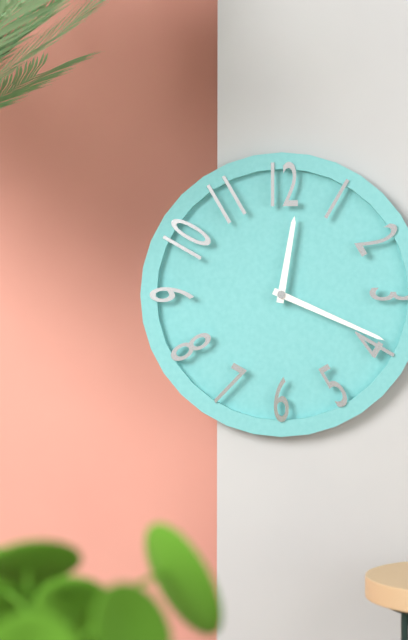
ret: 12:19
